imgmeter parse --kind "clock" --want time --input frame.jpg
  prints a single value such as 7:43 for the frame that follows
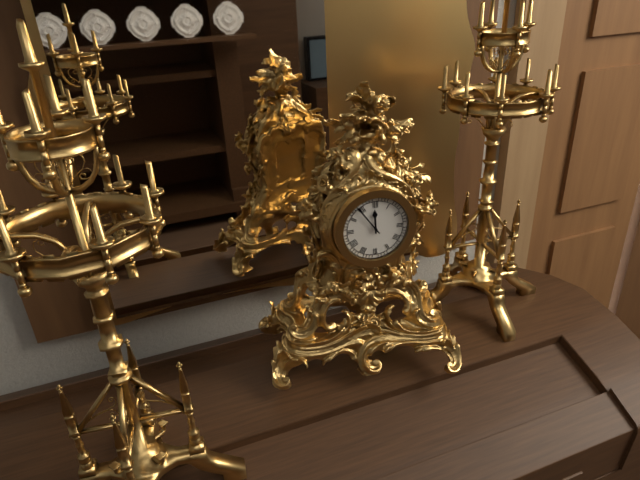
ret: 11:54
